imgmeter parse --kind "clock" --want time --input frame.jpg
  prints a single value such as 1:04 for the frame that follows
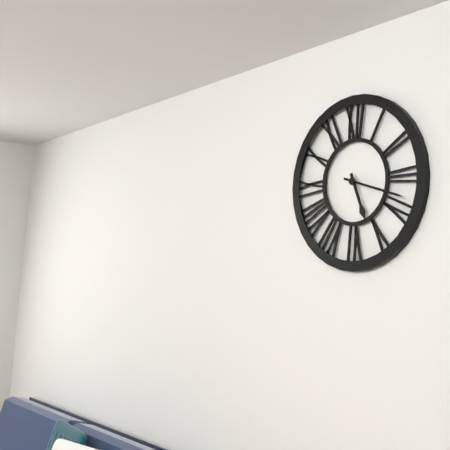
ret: 5:18
